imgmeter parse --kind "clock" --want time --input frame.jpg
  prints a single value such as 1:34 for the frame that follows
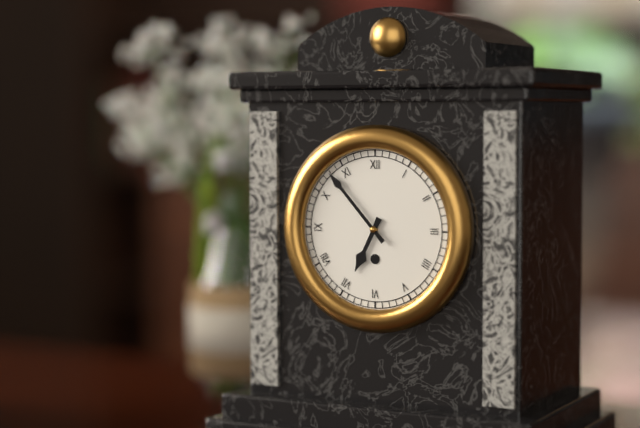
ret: 6:53
